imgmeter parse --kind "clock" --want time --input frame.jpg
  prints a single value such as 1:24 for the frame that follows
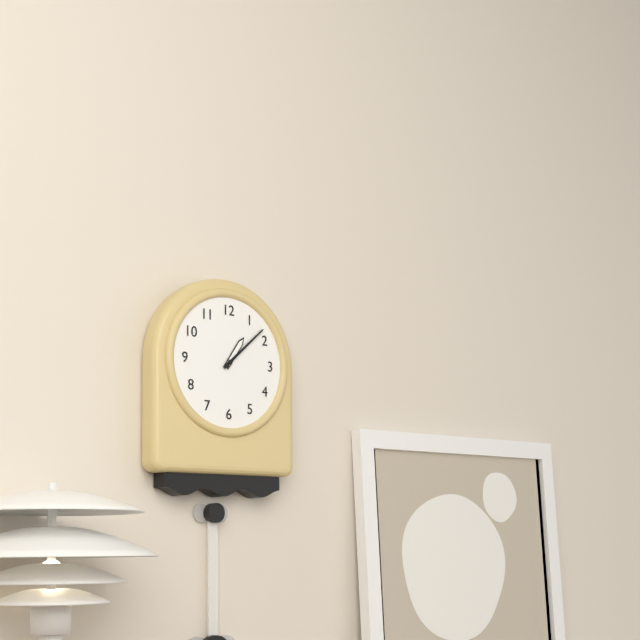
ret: 1:08
